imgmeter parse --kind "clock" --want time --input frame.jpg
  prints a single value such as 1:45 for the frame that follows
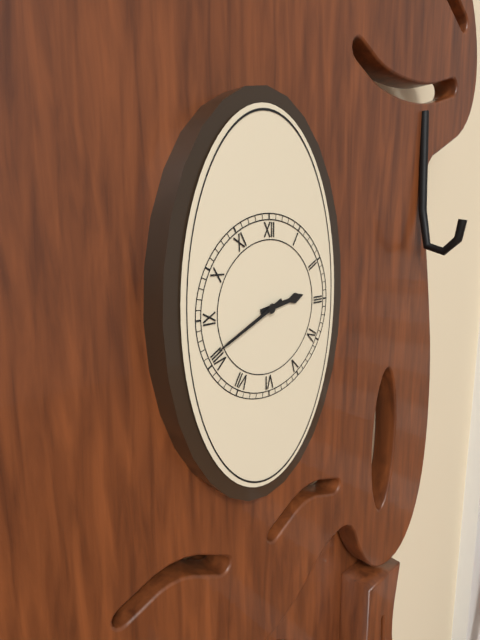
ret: 2:41
